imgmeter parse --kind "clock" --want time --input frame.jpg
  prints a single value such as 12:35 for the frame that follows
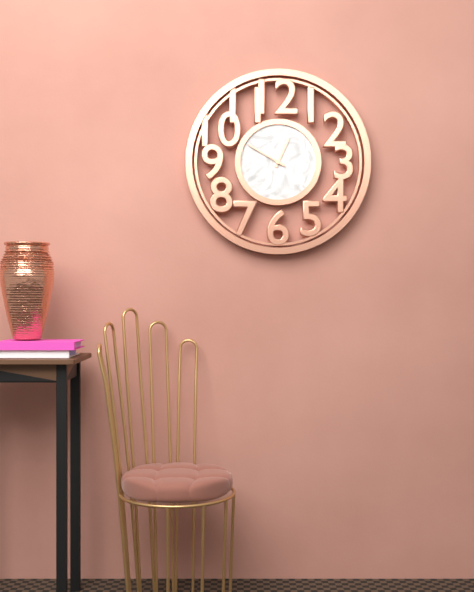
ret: 12:50
